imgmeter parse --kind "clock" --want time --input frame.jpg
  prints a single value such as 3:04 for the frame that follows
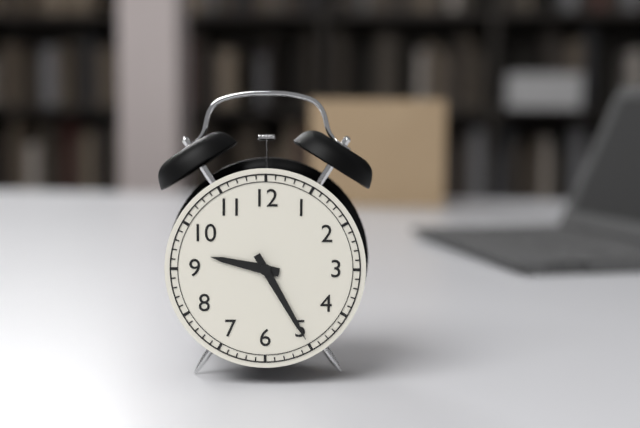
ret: 9:25
